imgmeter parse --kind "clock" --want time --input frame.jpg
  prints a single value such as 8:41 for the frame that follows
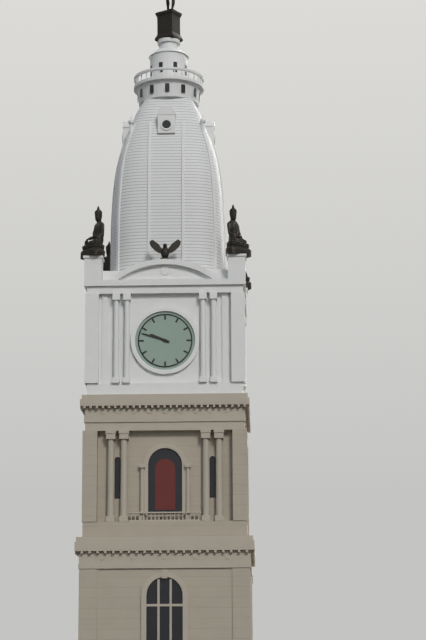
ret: 9:48
